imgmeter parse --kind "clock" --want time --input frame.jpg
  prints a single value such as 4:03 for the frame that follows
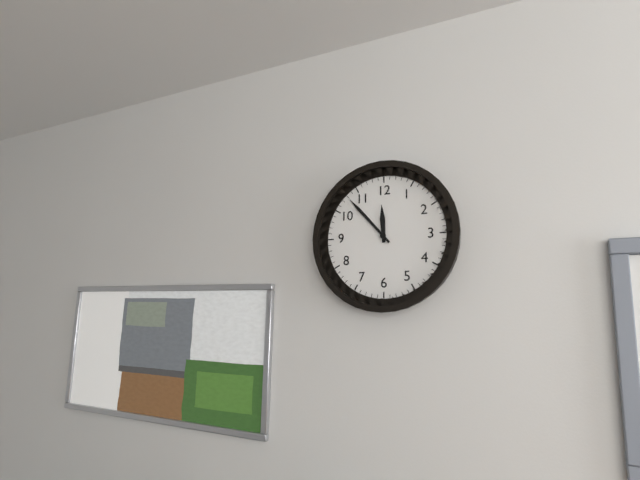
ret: 11:53
